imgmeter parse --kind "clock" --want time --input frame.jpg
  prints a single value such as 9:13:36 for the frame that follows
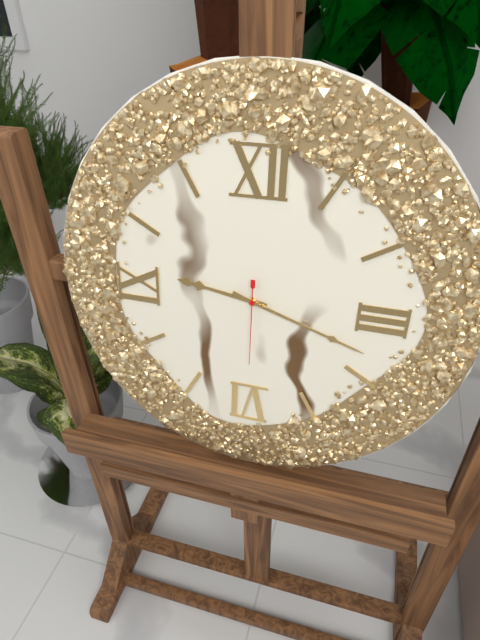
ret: 9:18:30
